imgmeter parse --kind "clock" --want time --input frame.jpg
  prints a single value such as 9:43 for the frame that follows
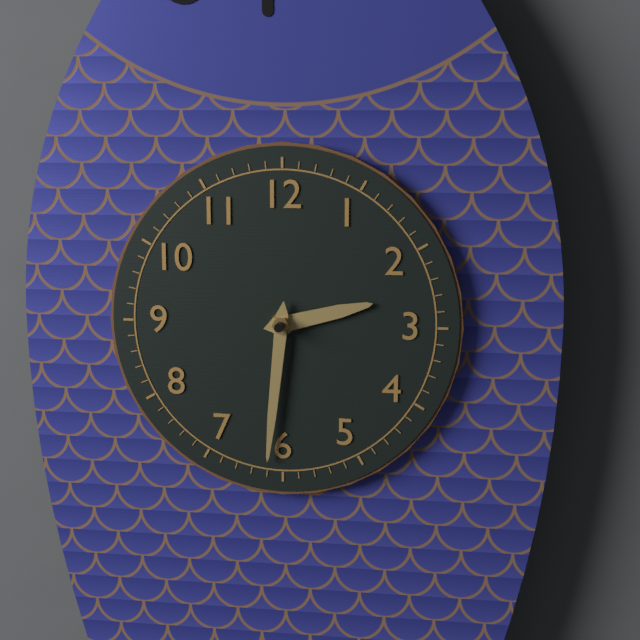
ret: 2:31
